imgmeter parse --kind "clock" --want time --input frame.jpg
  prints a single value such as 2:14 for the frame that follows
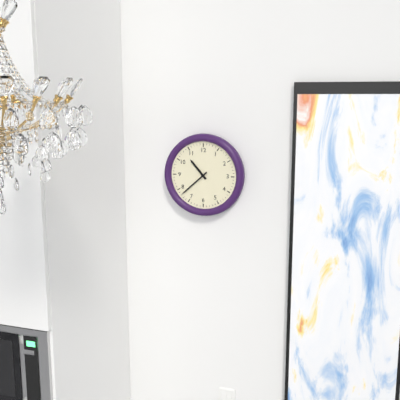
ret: 10:38
